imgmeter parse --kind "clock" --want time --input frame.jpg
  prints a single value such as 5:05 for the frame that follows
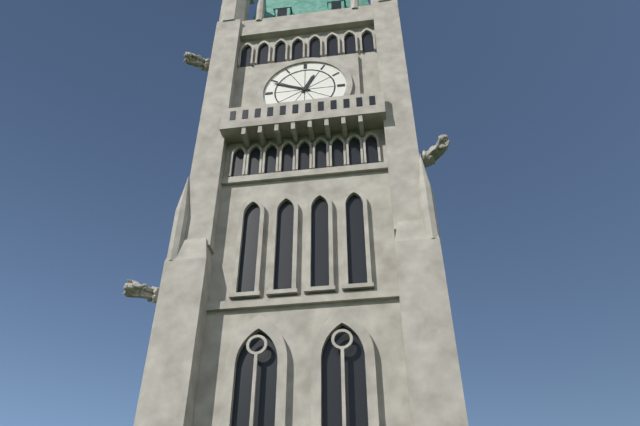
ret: 12:49
